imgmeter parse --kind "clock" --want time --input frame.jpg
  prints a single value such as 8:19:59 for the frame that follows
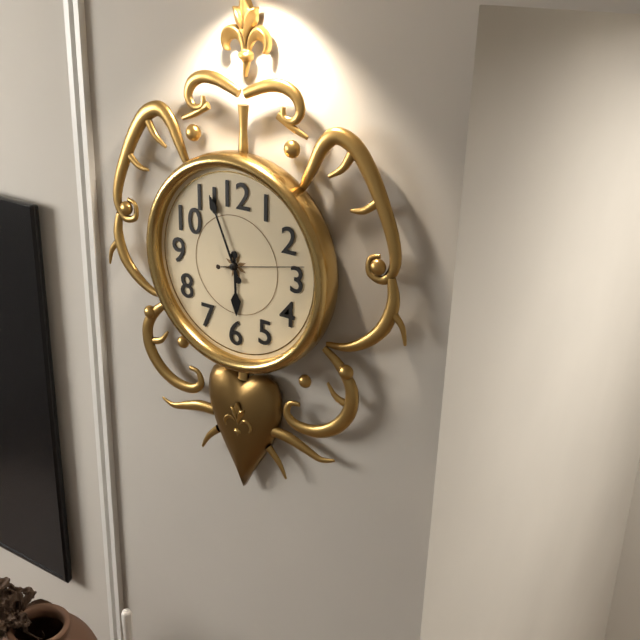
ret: 5:56:13
